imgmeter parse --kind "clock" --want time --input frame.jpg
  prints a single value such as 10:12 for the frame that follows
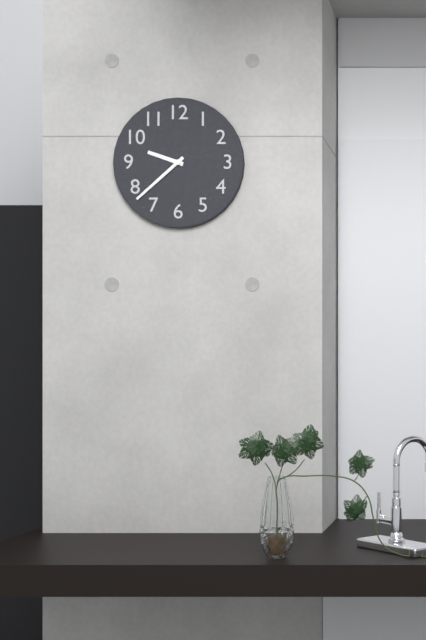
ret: 9:38
